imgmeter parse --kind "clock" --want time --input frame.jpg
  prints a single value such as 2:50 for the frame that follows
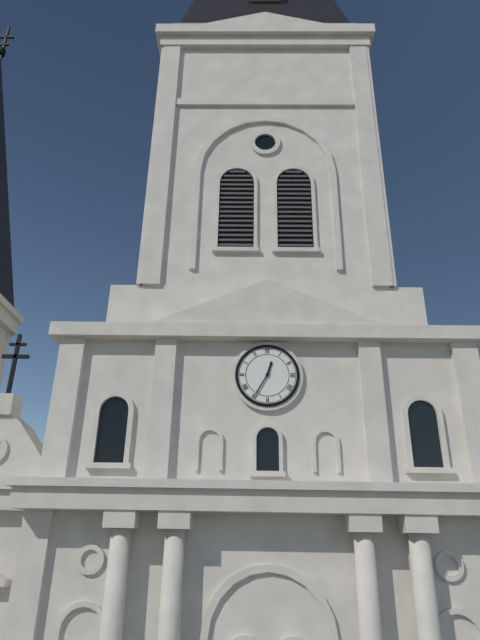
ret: 12:35
